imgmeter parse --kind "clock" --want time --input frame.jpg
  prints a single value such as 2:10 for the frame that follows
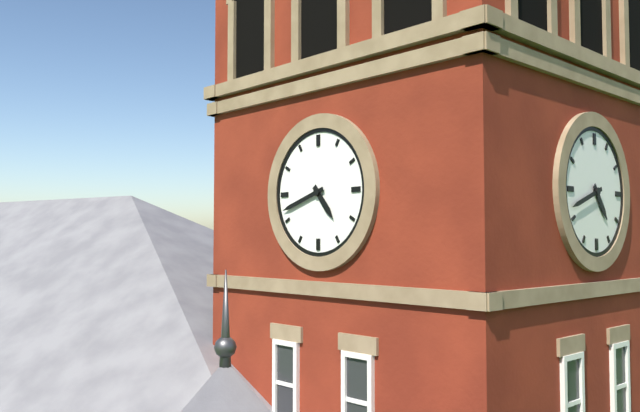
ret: 4:42
